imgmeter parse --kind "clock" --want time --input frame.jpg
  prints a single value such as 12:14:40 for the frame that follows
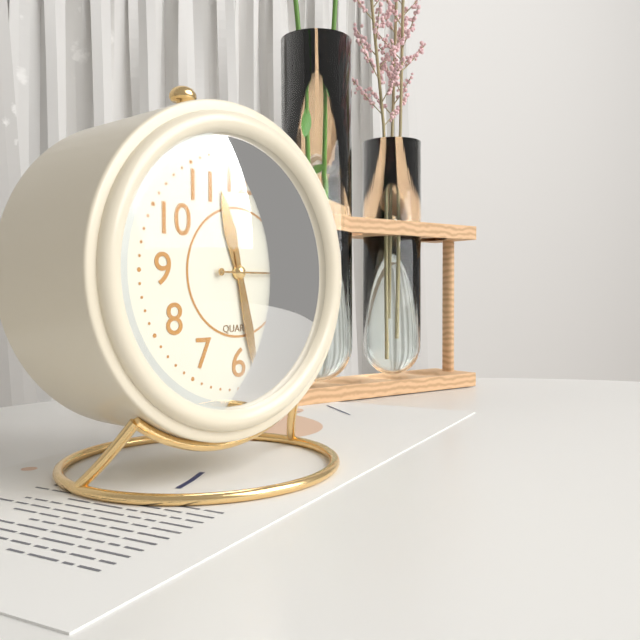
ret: 11:28:15
